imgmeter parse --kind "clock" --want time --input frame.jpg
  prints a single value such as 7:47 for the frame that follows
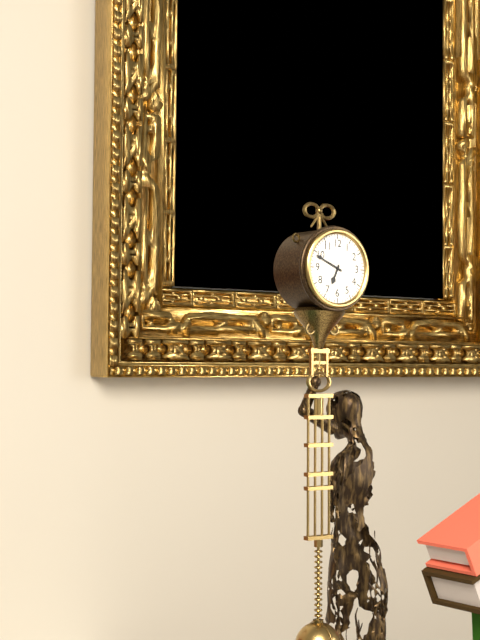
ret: 6:49
